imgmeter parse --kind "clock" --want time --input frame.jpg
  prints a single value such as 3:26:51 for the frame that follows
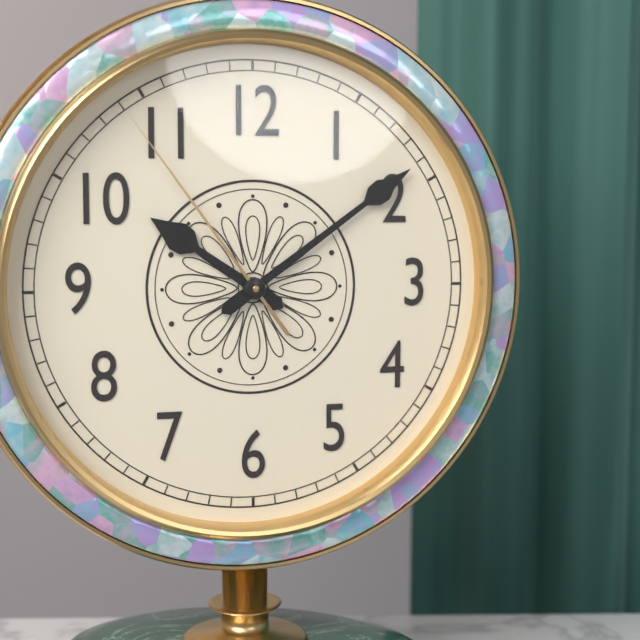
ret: 10:09:54
